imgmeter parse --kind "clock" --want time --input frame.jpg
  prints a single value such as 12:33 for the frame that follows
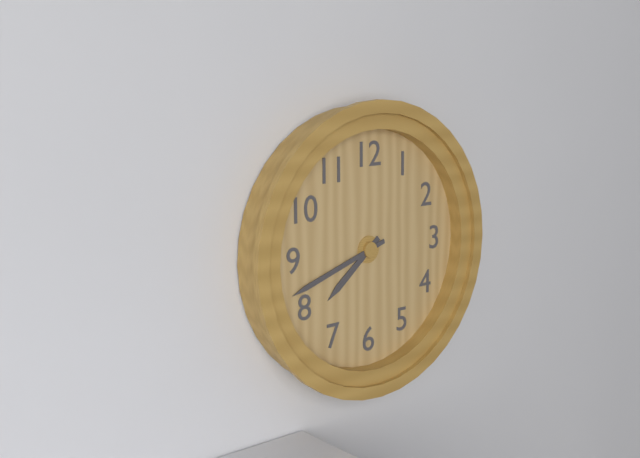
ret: 7:42
